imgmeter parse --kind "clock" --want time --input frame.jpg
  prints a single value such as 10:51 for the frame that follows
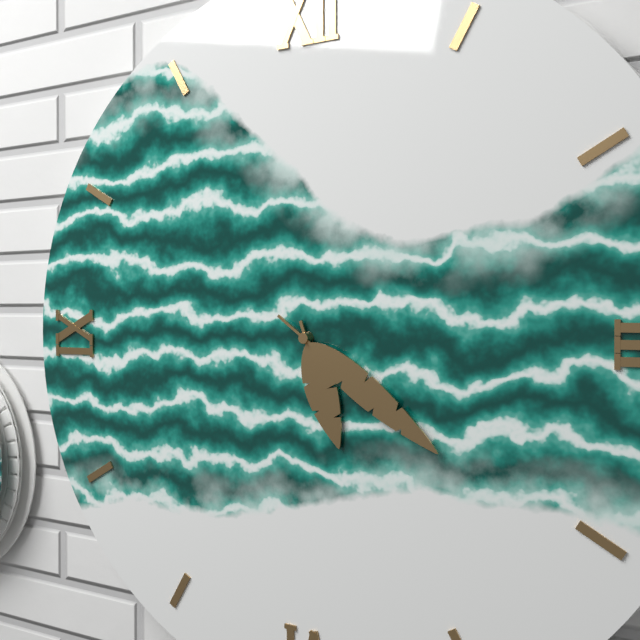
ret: 5:21
